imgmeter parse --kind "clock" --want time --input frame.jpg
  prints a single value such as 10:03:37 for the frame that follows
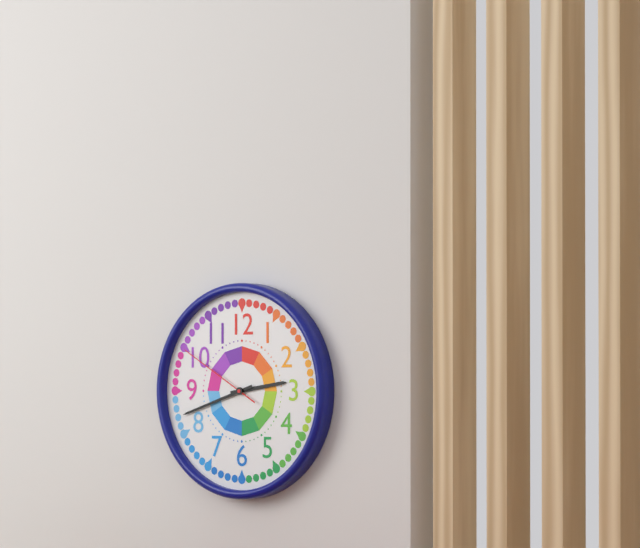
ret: 2:42:50
